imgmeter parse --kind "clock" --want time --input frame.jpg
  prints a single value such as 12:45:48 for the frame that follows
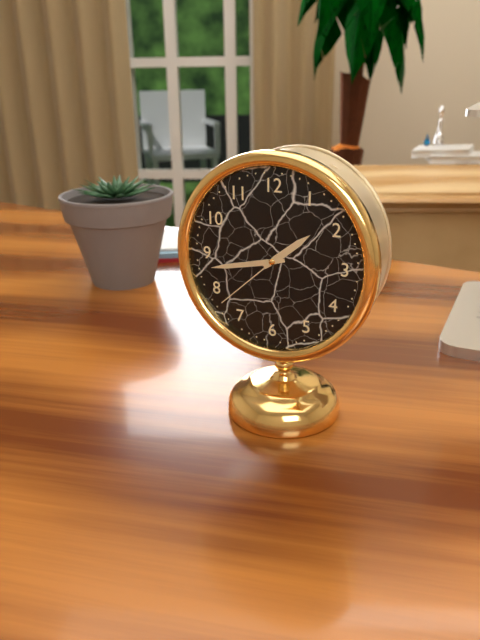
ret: 1:43:38
